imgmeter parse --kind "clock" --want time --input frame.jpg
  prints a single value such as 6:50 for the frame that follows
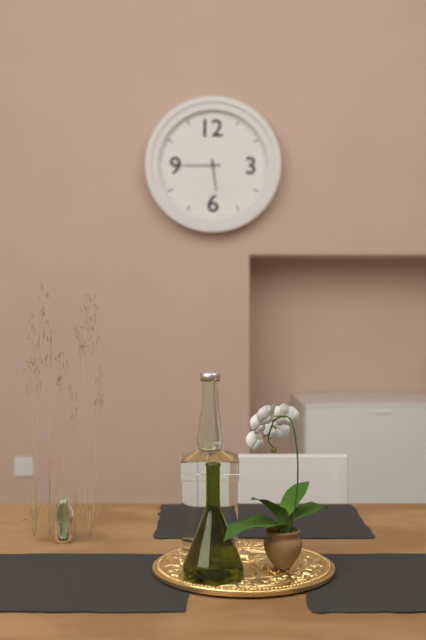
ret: 5:45
